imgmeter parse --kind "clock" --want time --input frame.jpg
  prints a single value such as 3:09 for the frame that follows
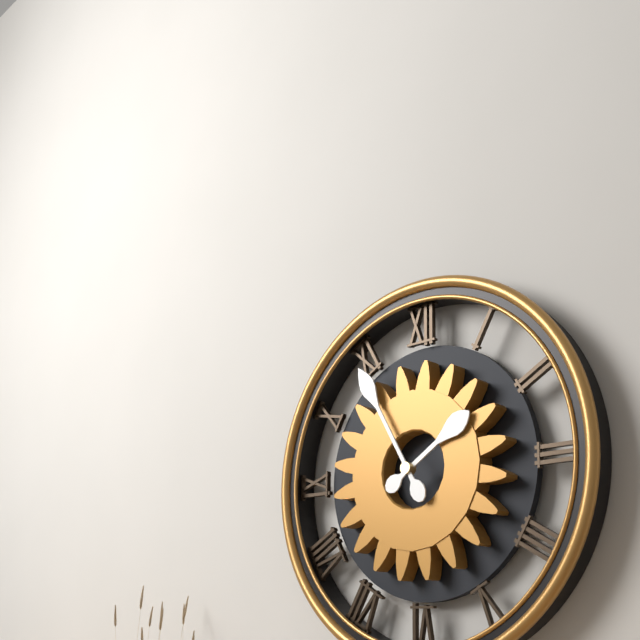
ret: 1:55
